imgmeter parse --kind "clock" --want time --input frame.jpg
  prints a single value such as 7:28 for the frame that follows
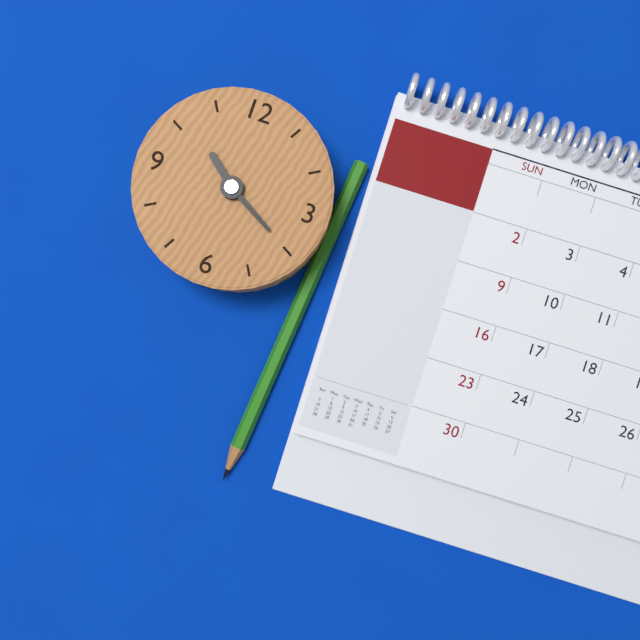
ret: 10:20
